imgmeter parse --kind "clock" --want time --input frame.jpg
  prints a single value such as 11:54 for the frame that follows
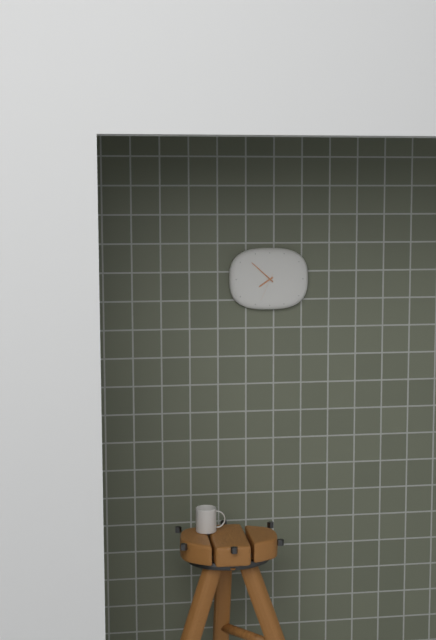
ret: 7:52
